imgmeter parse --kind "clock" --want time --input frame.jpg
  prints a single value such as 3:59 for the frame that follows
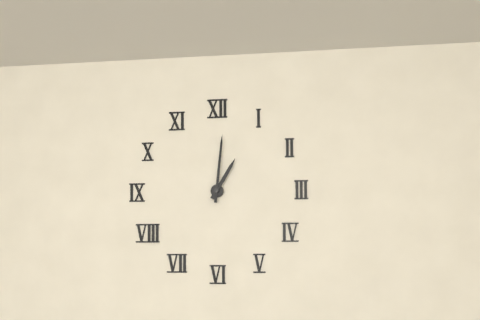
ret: 1:01
